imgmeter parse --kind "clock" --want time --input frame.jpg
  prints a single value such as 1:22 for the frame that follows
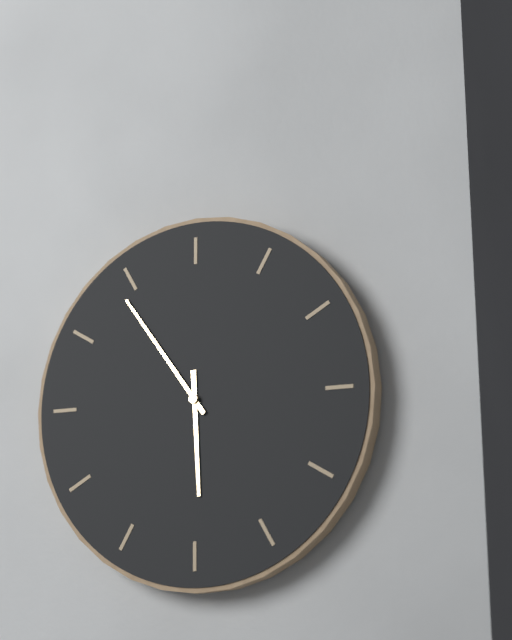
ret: 5:54
